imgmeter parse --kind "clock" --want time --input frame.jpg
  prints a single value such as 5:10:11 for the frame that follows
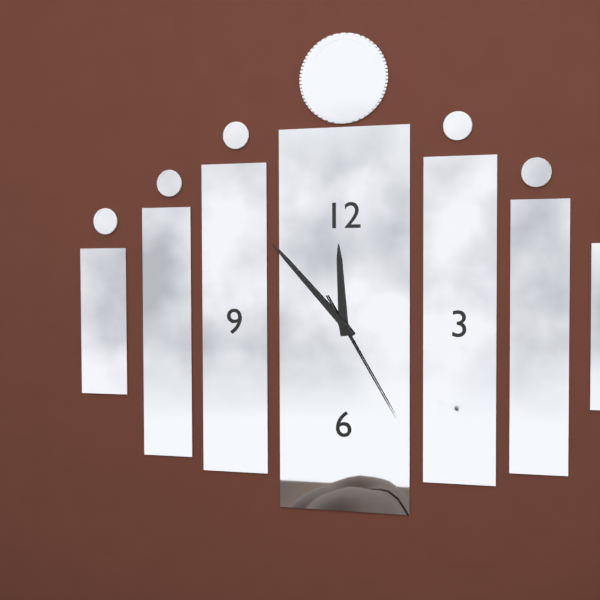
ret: 11:53:25
